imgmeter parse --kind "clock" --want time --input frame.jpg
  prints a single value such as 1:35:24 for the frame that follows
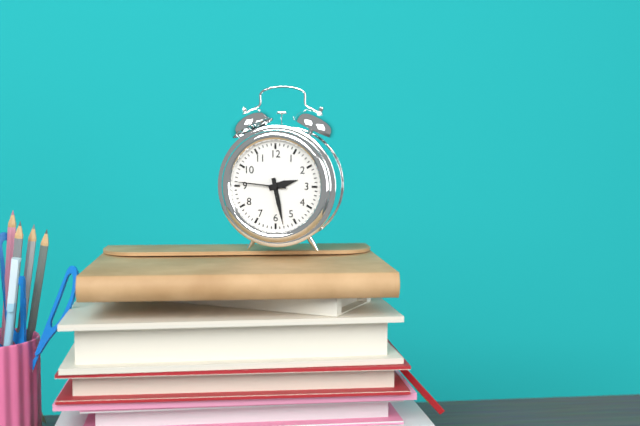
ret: 2:28:46
